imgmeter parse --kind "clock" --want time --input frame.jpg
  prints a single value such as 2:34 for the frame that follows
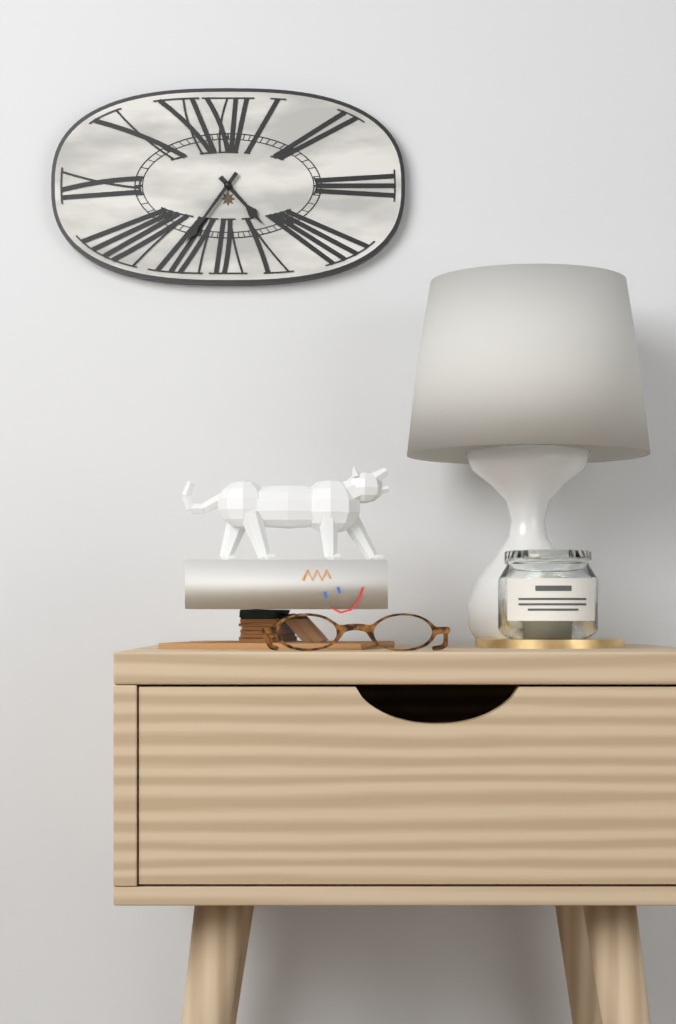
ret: 4:36
